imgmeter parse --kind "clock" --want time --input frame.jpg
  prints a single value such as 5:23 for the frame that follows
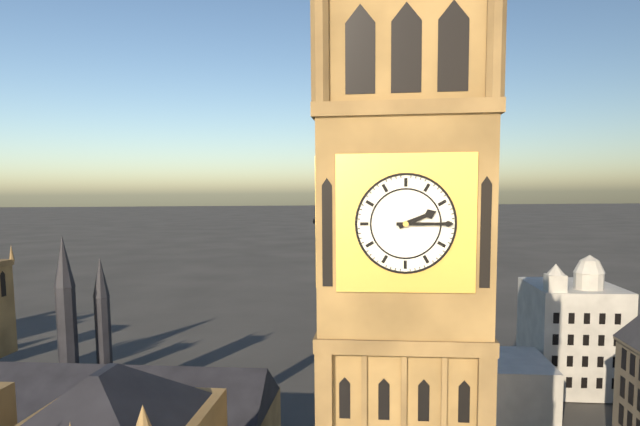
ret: 2:15
